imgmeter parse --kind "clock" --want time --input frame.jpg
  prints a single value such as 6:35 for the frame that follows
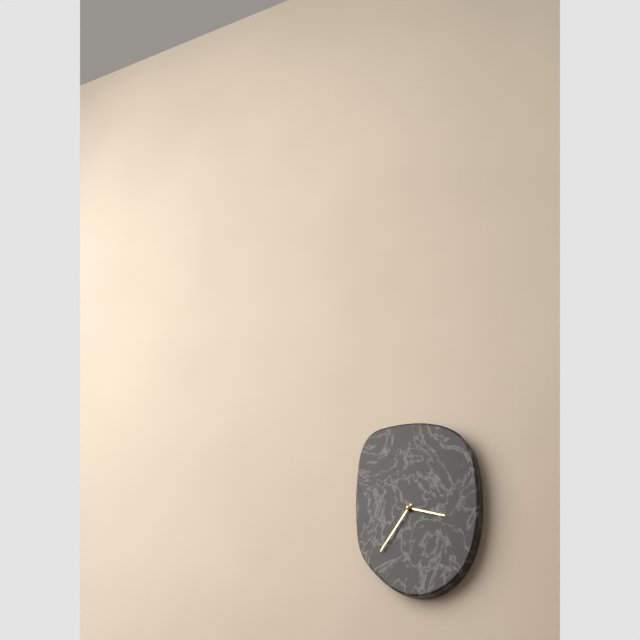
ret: 3:36
